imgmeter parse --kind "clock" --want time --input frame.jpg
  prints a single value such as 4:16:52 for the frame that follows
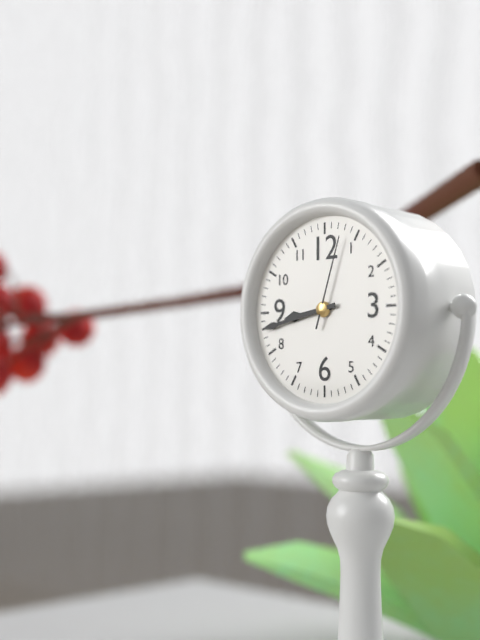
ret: 8:43:03
